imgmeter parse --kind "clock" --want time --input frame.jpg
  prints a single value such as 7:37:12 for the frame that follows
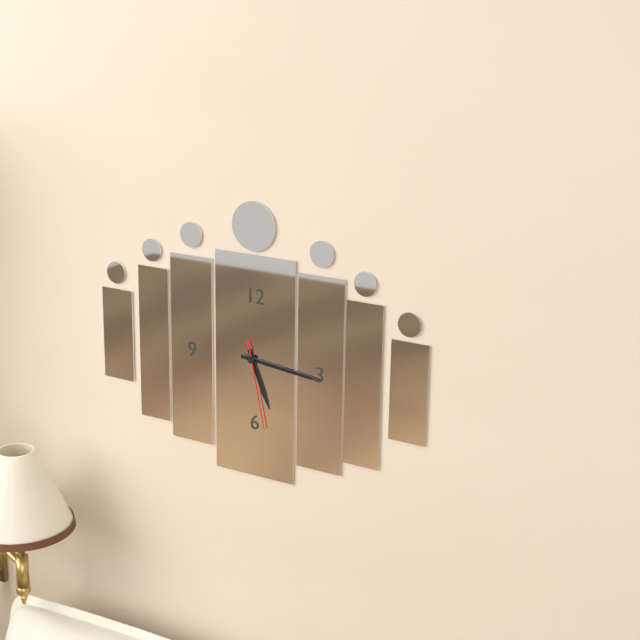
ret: 5:16:28
